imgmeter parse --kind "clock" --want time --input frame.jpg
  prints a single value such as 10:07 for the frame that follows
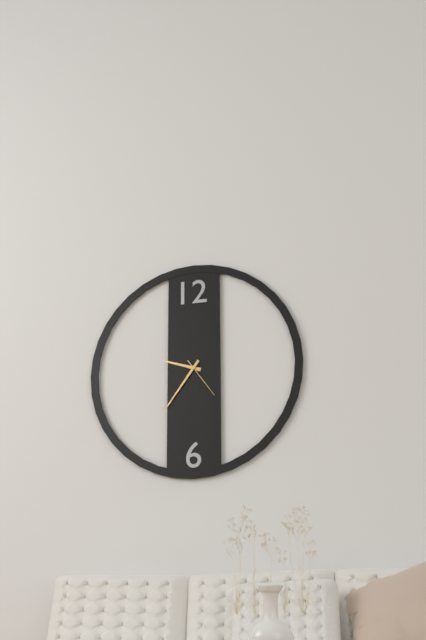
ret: 9:36
